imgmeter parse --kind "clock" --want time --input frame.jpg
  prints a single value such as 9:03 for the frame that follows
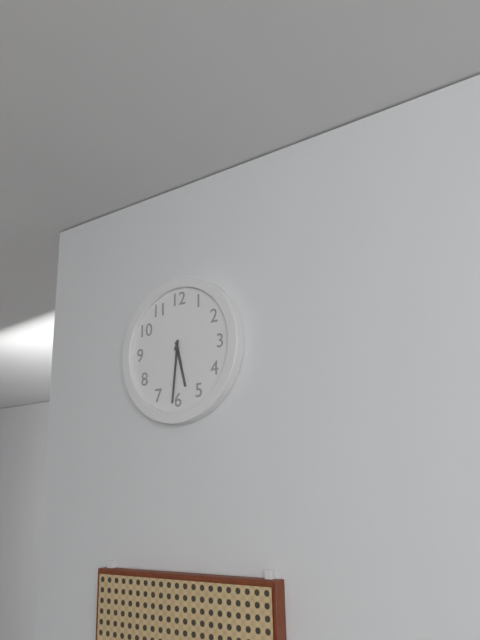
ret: 5:31
